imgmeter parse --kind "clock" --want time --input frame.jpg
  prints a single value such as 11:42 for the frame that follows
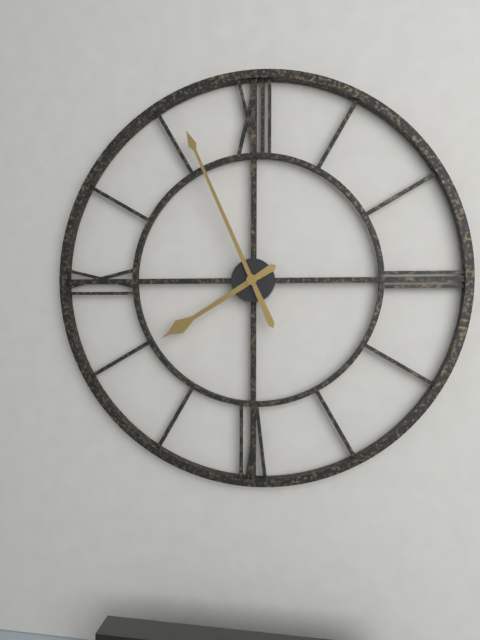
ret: 7:56
